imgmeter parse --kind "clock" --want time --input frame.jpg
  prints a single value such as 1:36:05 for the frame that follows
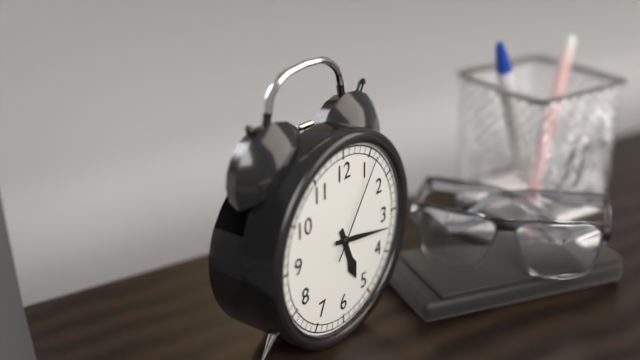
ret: 5:17:06
